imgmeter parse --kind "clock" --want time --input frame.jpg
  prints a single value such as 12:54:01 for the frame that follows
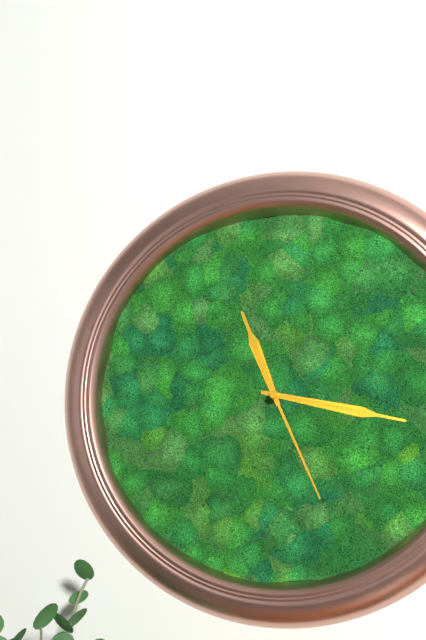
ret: 11:17:26
